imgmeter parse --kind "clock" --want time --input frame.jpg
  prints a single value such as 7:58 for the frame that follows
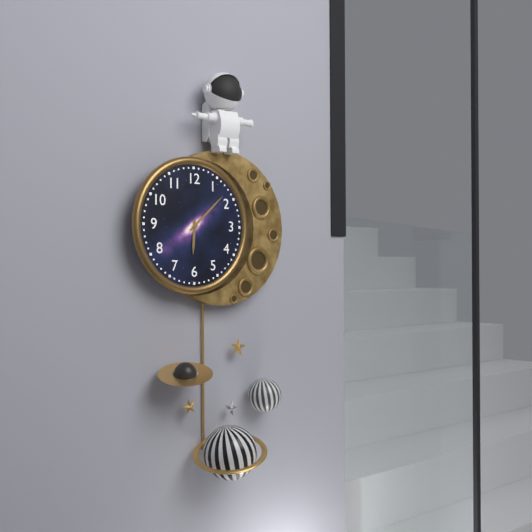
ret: 6:08
